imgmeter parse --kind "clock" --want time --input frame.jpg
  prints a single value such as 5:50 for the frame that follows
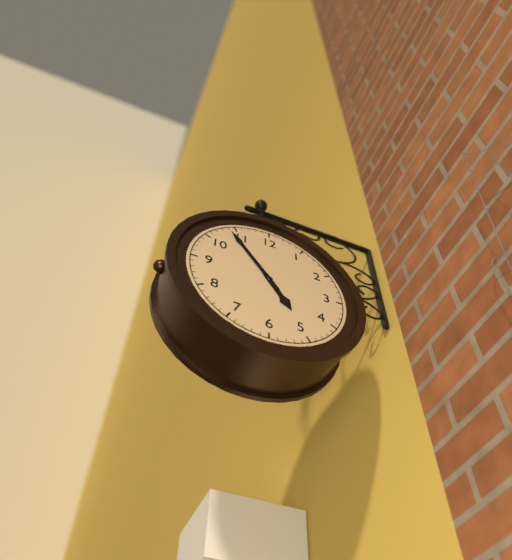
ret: 4:54
